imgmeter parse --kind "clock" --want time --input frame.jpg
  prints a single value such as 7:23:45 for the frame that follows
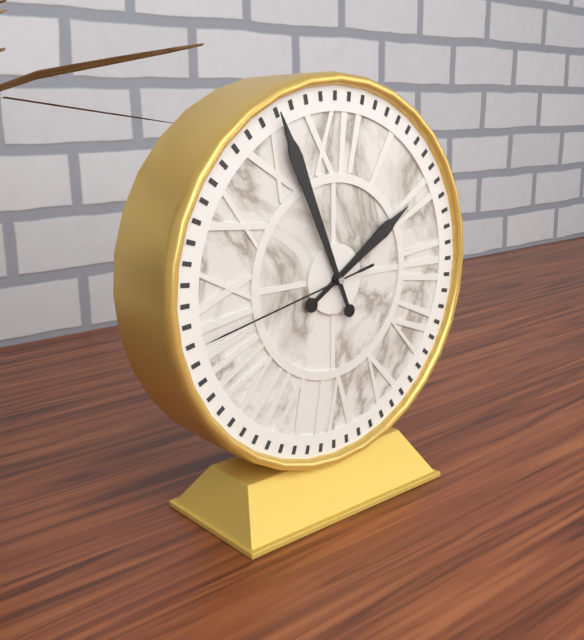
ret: 1:56:43
